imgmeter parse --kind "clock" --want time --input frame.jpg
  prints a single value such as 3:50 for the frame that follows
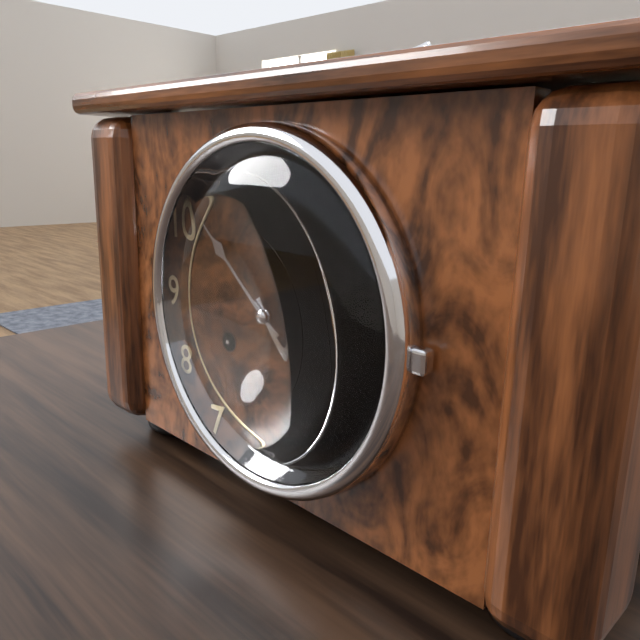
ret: 4:52
